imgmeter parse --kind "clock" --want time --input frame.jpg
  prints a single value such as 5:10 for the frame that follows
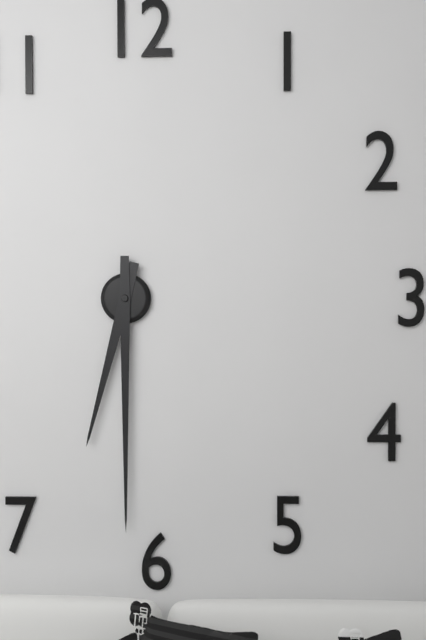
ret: 6:30
